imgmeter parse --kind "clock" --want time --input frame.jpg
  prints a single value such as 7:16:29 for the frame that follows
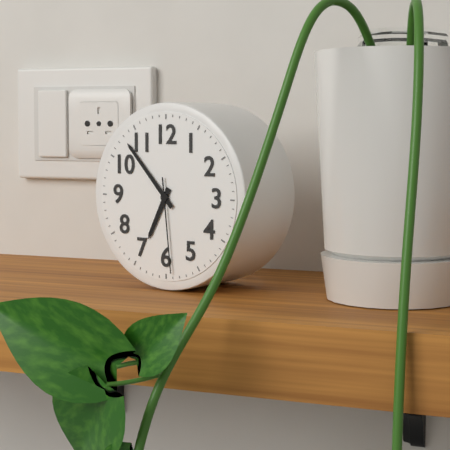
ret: 6:53:29
